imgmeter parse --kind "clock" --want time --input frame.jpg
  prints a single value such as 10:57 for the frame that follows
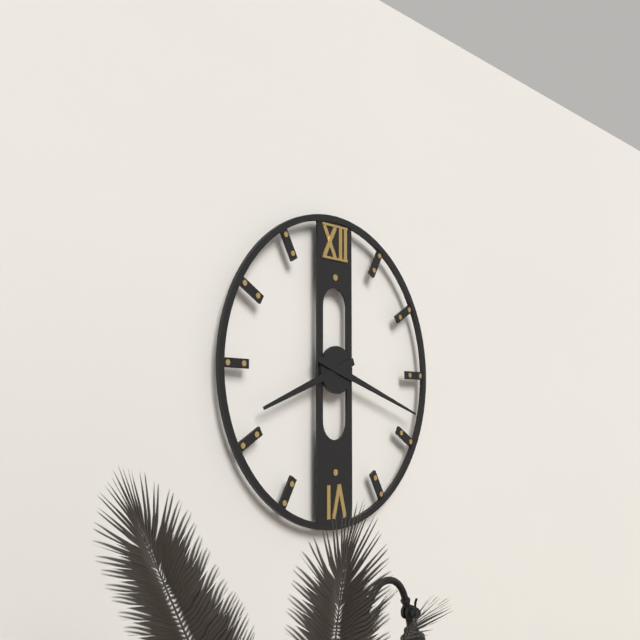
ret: 8:18
